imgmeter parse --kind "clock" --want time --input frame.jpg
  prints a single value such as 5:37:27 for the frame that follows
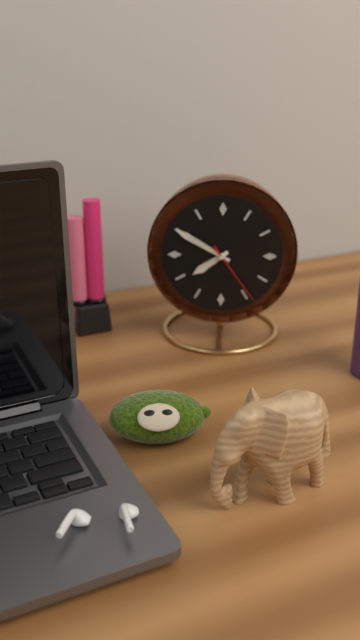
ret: 7:50:24
